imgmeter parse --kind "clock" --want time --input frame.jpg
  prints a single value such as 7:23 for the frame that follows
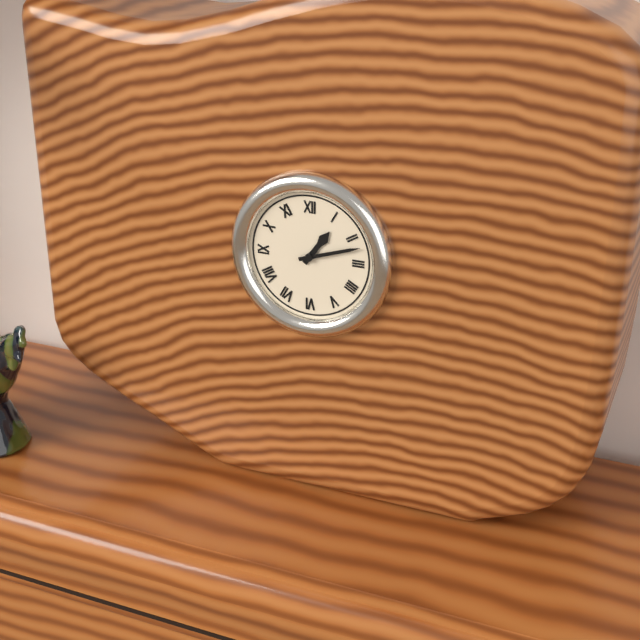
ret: 1:12
